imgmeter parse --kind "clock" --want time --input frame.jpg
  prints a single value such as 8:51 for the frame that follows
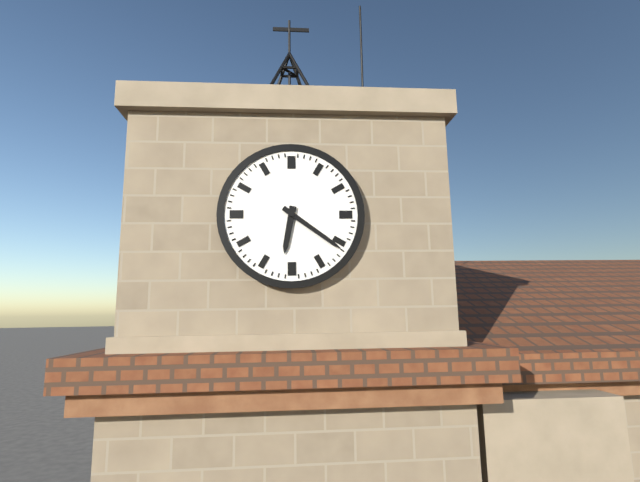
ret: 6:21
